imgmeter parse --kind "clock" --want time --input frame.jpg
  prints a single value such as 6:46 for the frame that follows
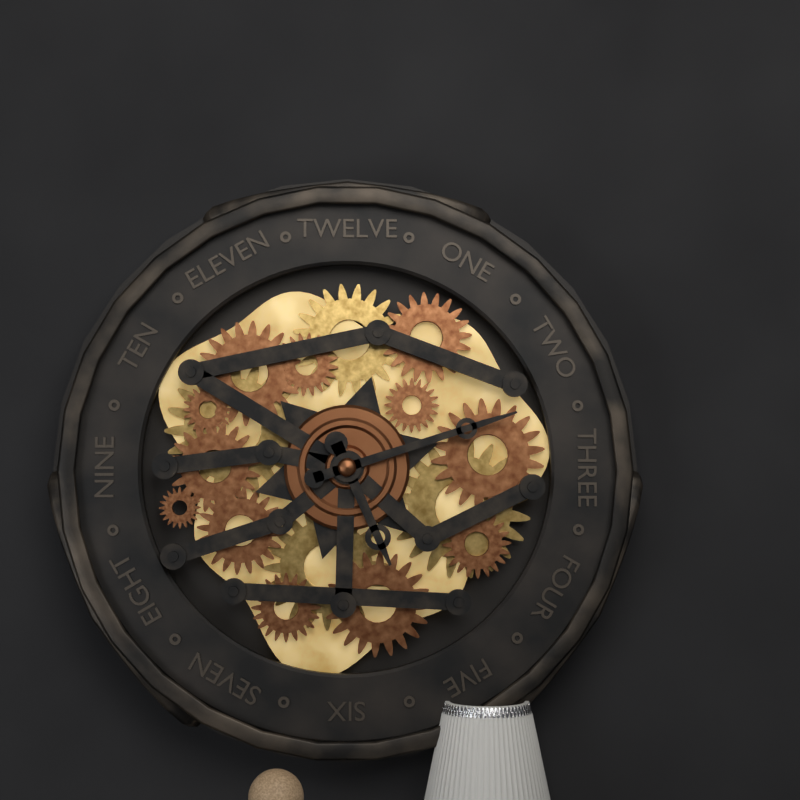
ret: 5:12
